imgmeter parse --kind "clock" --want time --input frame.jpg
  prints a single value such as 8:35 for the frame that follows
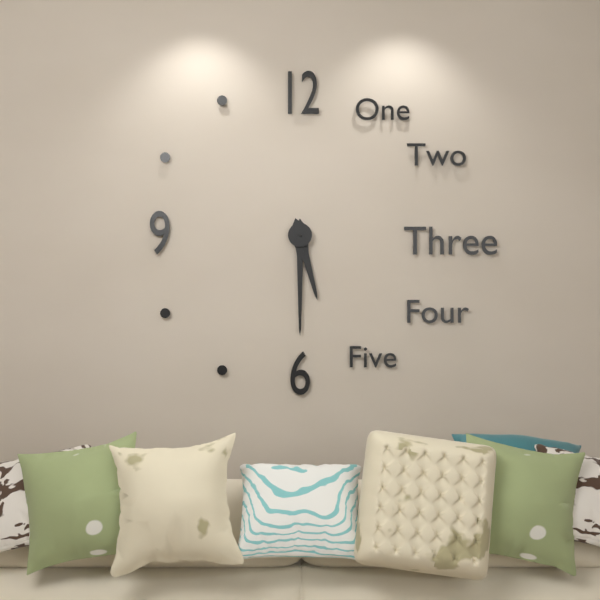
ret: 5:30
